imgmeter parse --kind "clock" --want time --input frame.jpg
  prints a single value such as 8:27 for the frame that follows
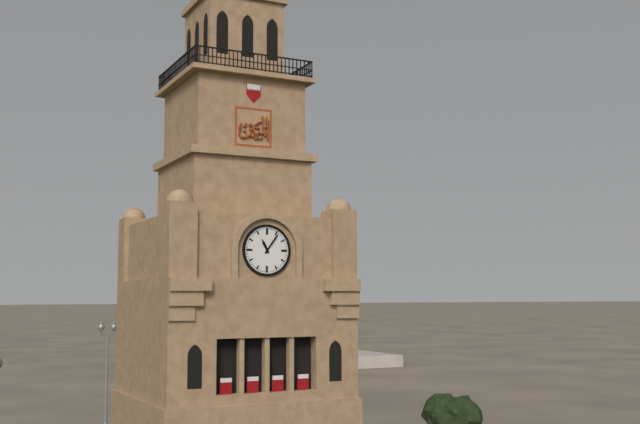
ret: 11:06
